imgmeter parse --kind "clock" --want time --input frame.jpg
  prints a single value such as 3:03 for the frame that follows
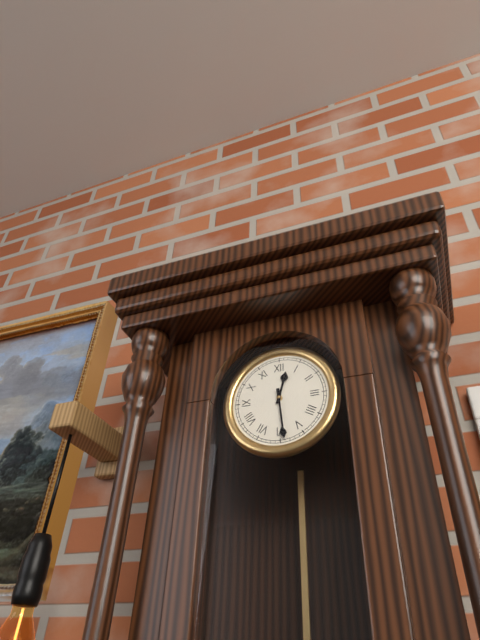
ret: 12:29
